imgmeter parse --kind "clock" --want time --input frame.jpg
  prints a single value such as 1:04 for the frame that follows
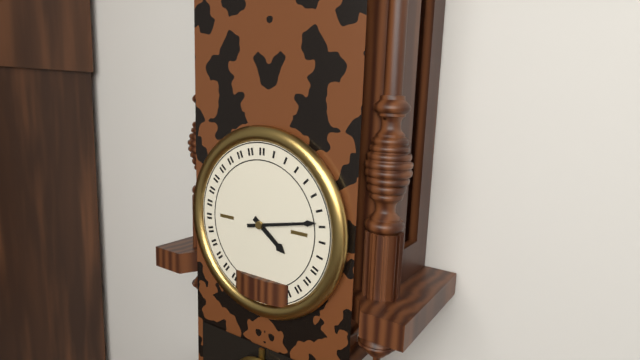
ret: 4:13
